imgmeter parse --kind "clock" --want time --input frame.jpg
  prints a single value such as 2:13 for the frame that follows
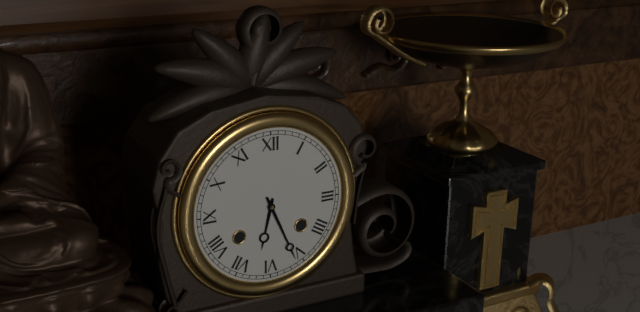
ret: 6:26
